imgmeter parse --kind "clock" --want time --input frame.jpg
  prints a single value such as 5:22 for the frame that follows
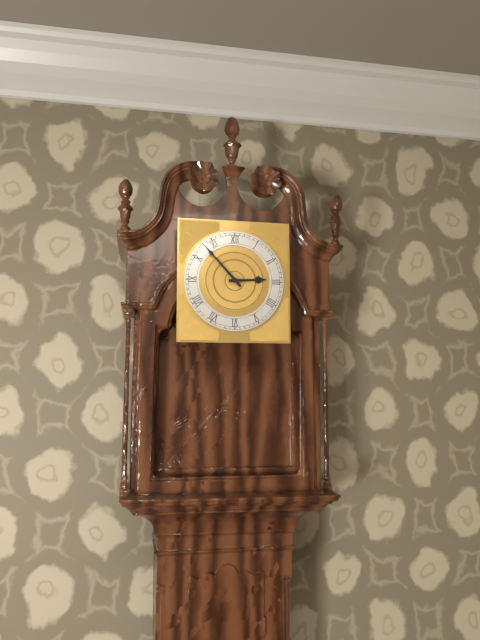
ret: 2:53
